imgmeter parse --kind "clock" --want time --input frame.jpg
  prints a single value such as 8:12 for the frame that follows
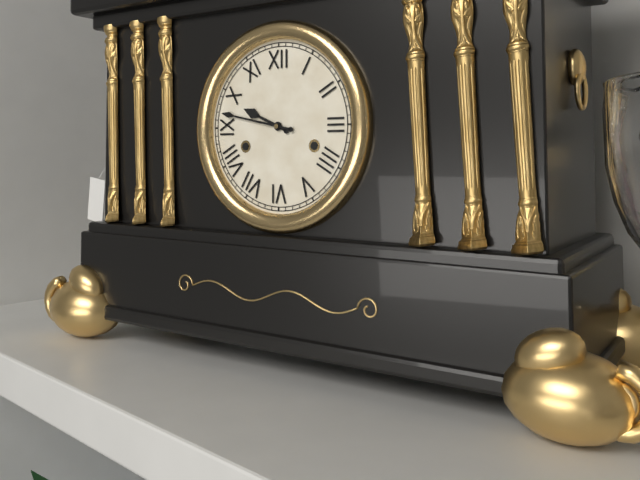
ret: 9:47
